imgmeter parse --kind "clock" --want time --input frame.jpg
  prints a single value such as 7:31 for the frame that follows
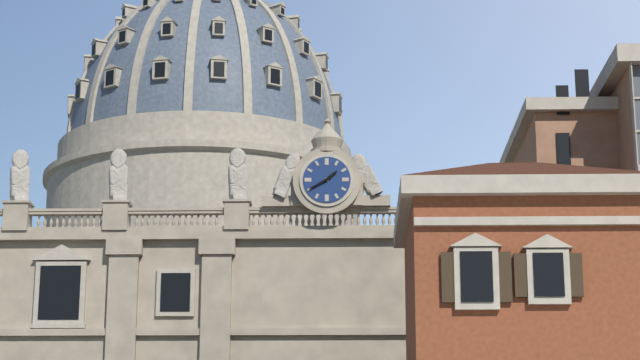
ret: 1:40
